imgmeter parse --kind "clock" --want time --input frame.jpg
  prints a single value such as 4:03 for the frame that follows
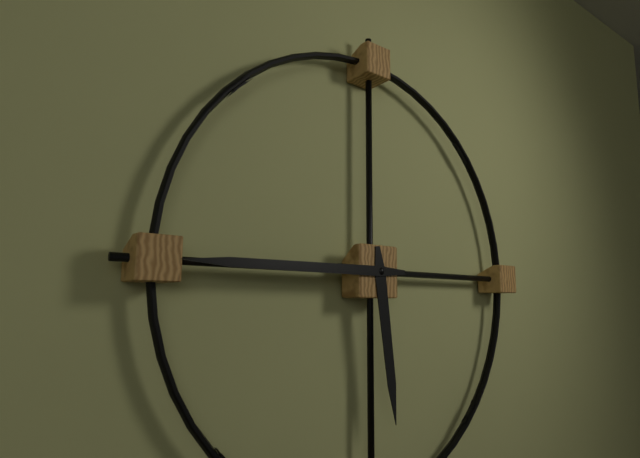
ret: 5:45
